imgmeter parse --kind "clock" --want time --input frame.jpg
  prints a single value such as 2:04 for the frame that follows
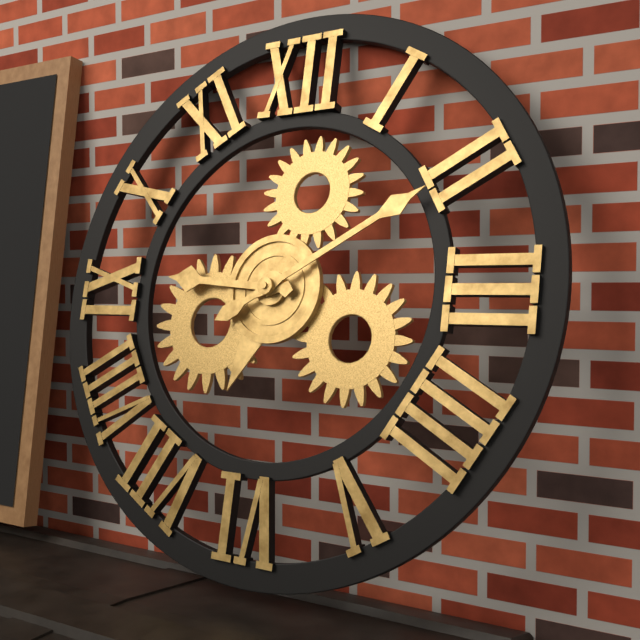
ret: 9:10
